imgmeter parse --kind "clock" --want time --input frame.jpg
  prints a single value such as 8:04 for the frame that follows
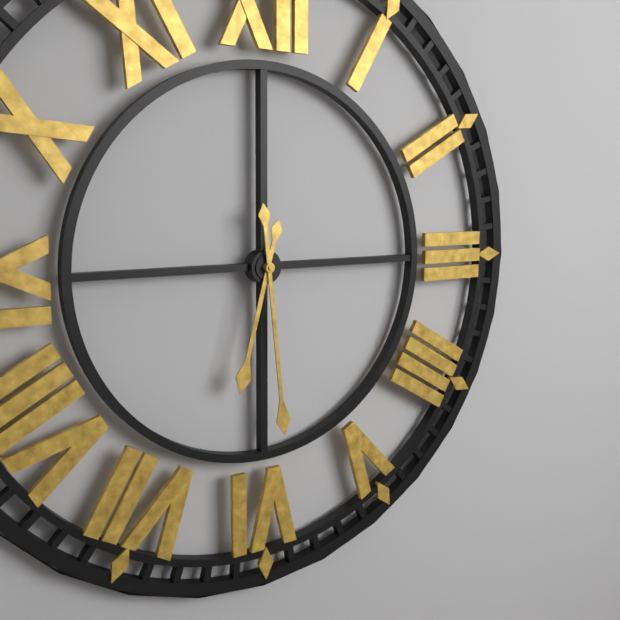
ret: 6:29
